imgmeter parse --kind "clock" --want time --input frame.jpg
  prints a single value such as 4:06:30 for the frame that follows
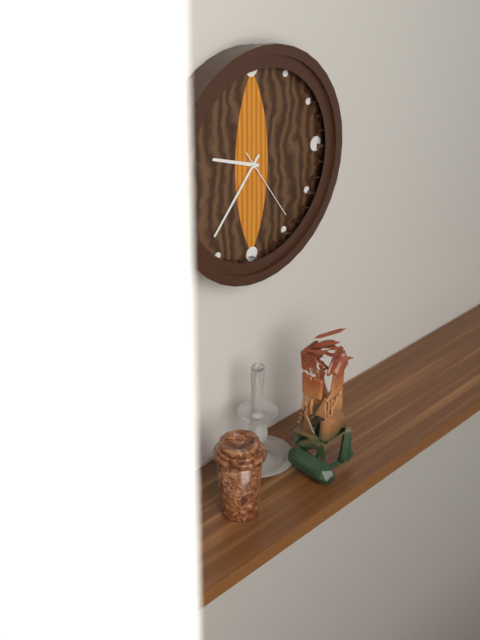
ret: 9:37:24
